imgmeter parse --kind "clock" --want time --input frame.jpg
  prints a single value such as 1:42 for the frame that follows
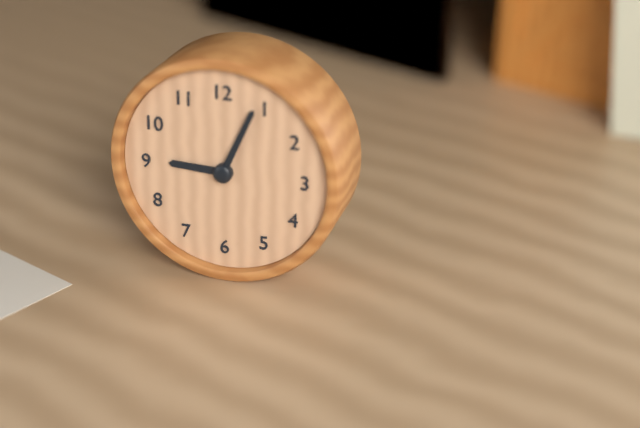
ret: 9:04
